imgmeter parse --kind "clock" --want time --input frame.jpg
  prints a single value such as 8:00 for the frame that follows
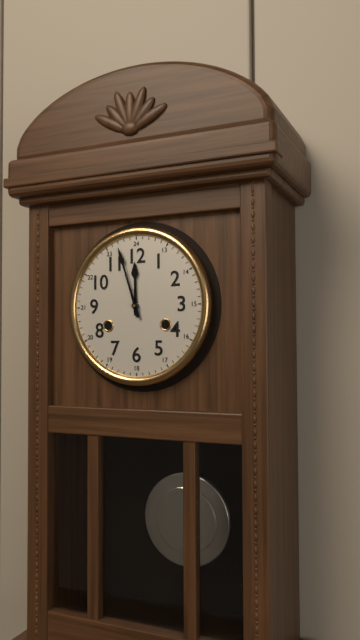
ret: 11:57
